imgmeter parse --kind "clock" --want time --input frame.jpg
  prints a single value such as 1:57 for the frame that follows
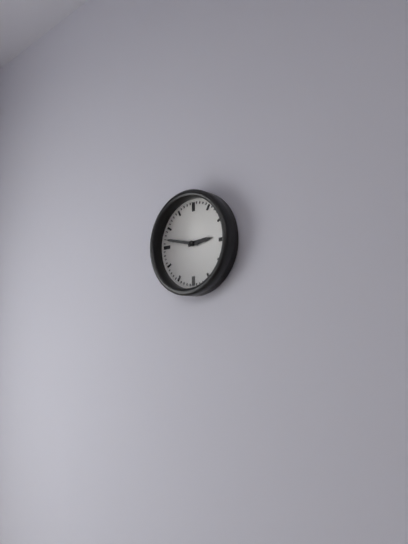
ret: 2:47
